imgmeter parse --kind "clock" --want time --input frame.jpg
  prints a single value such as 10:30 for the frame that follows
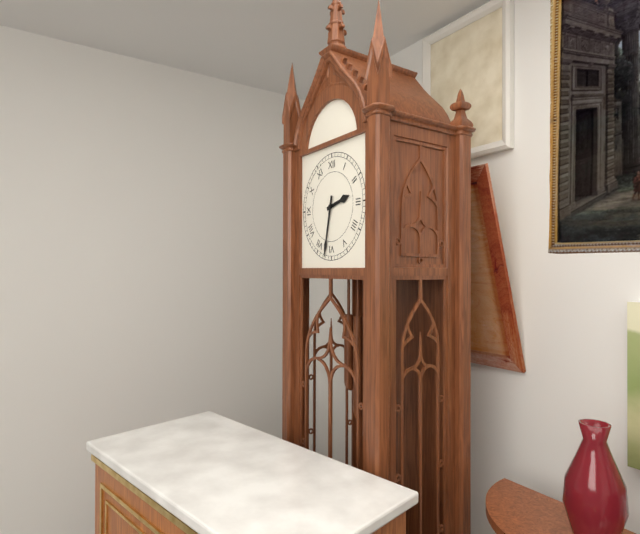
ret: 2:32
